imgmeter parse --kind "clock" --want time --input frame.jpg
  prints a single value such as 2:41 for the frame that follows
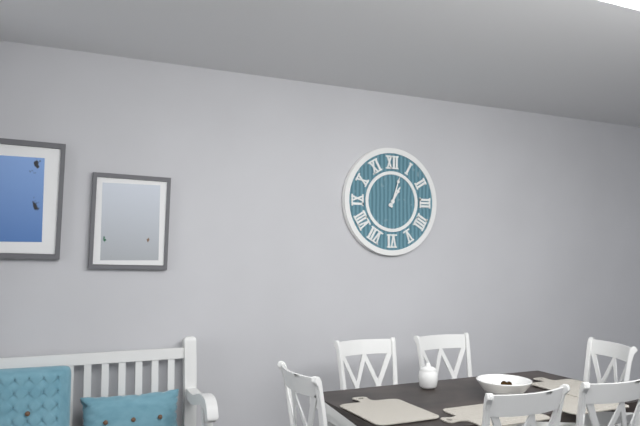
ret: 1:03
